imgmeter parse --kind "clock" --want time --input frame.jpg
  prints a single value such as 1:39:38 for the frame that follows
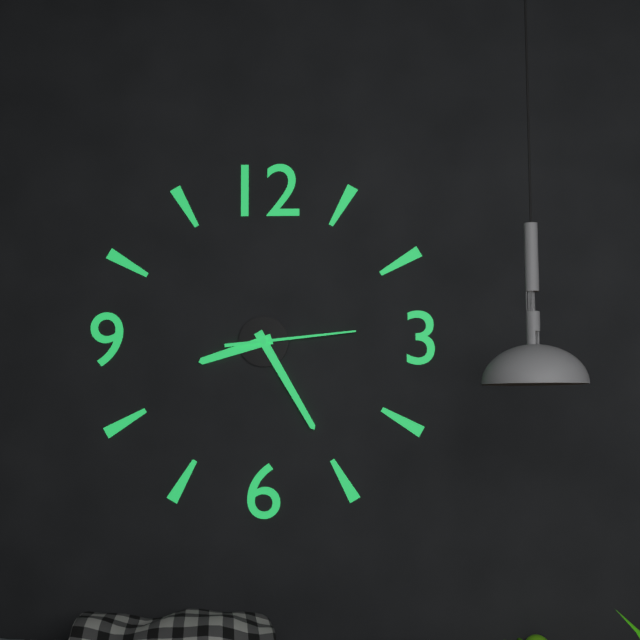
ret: 8:25:14
